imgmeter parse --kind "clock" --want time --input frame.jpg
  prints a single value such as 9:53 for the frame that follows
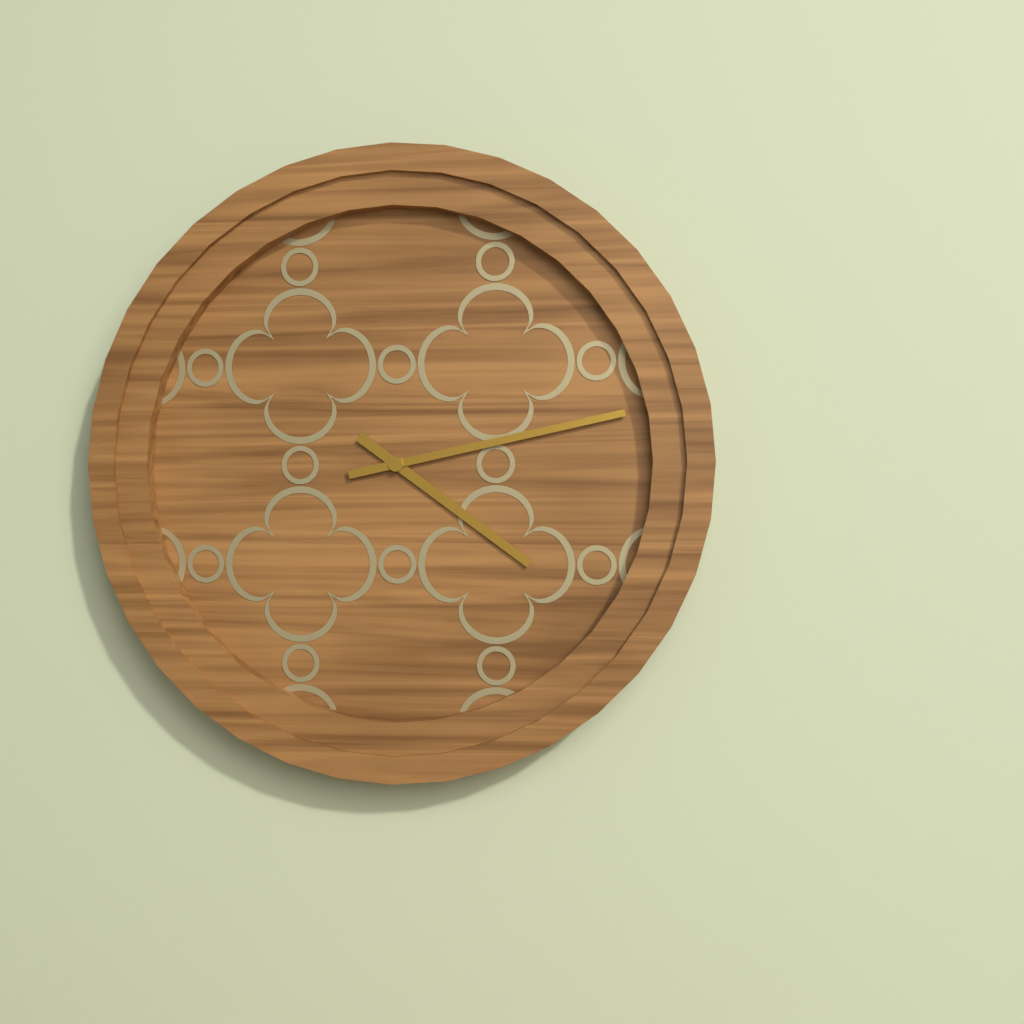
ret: 4:13
